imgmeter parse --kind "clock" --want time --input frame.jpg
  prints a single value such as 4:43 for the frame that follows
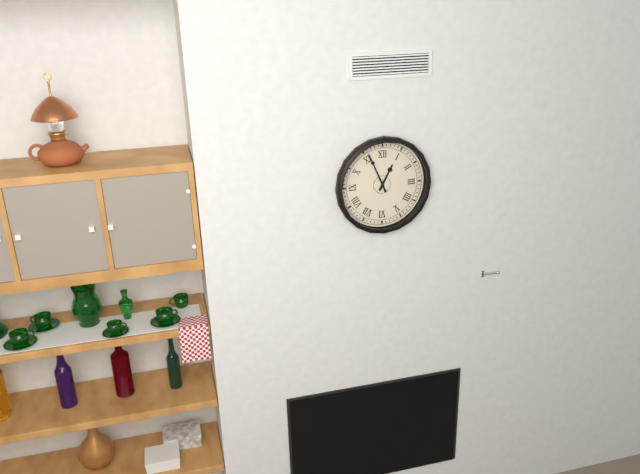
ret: 12:56
